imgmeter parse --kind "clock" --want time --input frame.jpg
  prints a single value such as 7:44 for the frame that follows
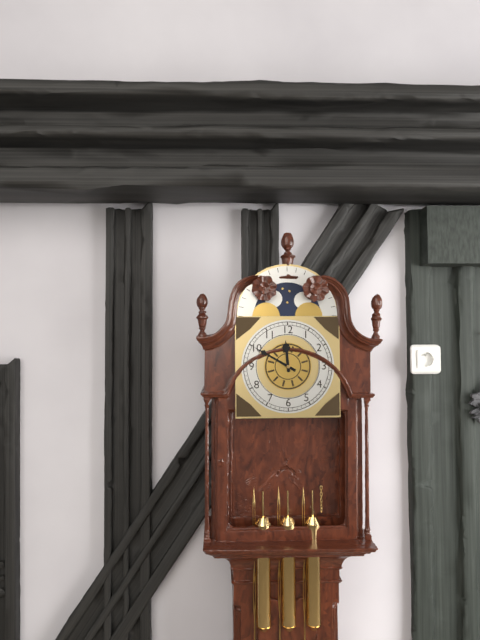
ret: 11:50
